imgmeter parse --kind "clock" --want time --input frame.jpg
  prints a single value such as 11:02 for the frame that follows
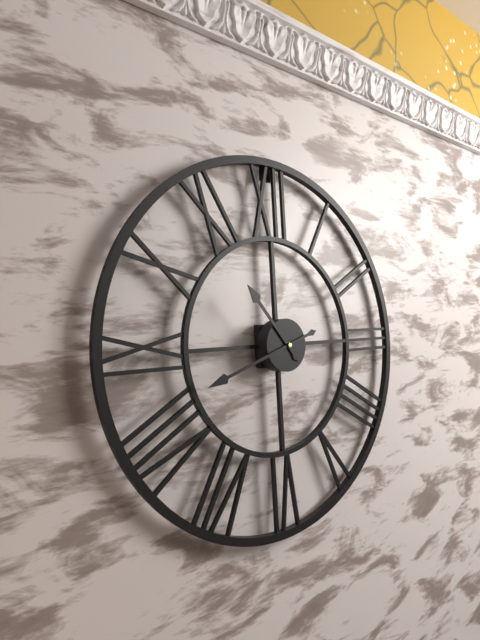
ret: 10:42
